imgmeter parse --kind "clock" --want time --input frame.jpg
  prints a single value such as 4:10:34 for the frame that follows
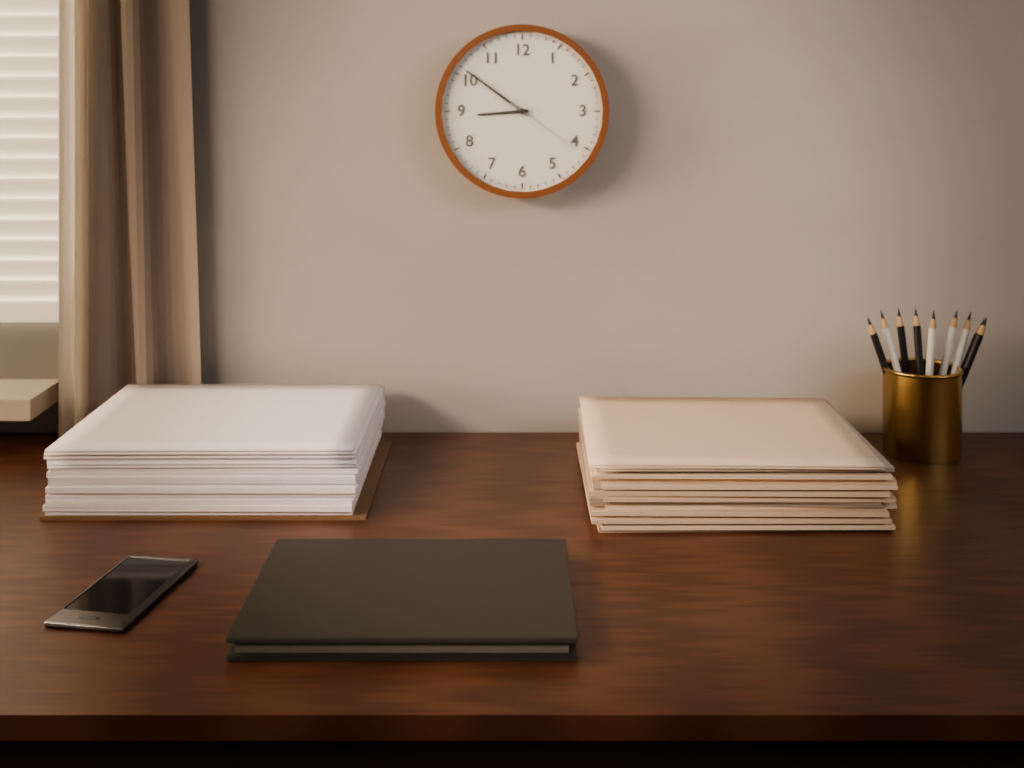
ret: 8:51:21
